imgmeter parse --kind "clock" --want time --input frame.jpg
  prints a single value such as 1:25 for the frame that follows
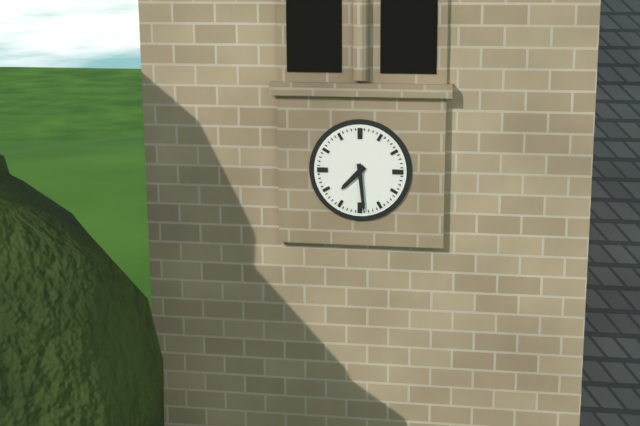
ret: 7:29
